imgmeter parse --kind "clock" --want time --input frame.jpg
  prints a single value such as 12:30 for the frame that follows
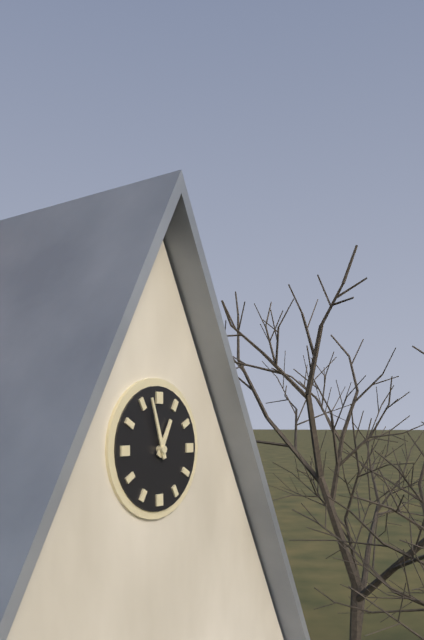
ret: 12:57
